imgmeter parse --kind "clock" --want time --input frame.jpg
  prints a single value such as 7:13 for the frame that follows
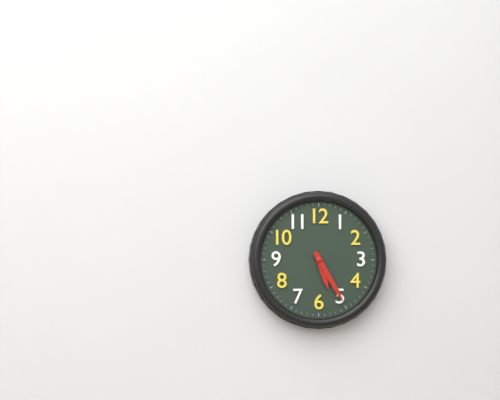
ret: 5:25
